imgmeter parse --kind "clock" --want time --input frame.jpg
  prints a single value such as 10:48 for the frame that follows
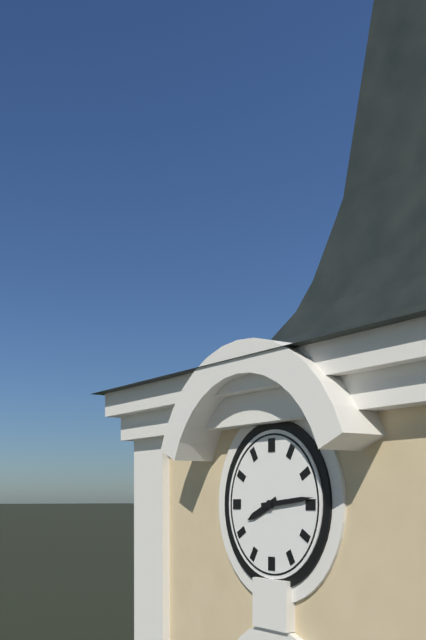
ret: 8:14
